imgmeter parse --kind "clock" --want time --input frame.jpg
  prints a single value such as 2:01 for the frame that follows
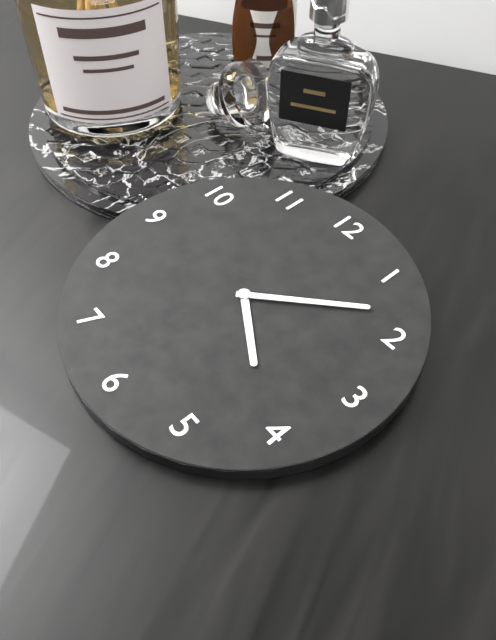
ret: 4:08
